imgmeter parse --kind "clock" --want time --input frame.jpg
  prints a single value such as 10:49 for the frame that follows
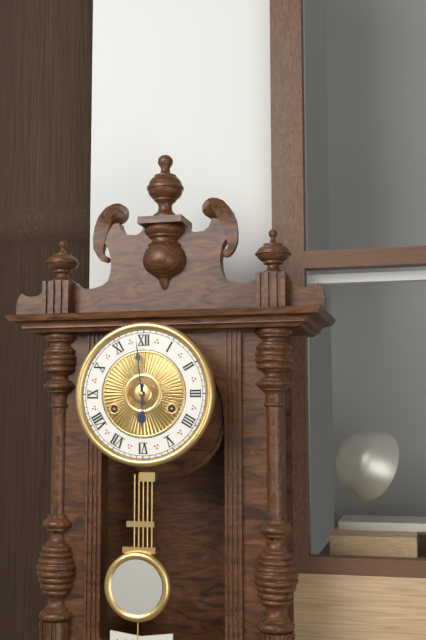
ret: 5:59
